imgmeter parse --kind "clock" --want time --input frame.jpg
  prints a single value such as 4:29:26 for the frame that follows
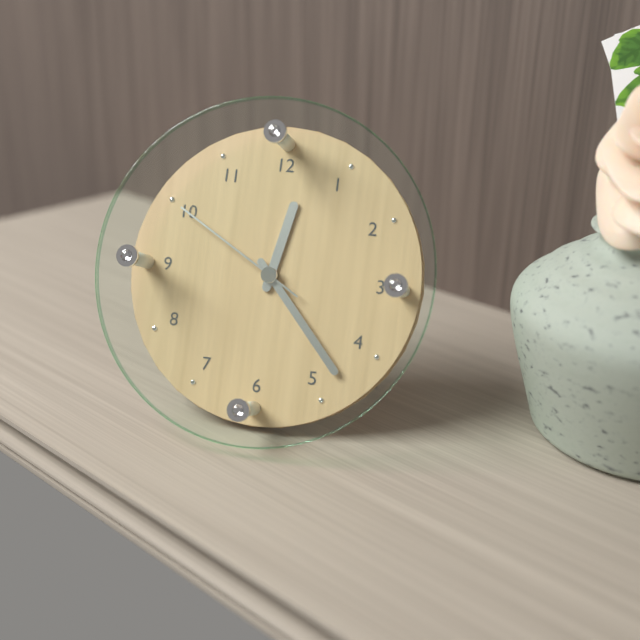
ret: 12:23:50
